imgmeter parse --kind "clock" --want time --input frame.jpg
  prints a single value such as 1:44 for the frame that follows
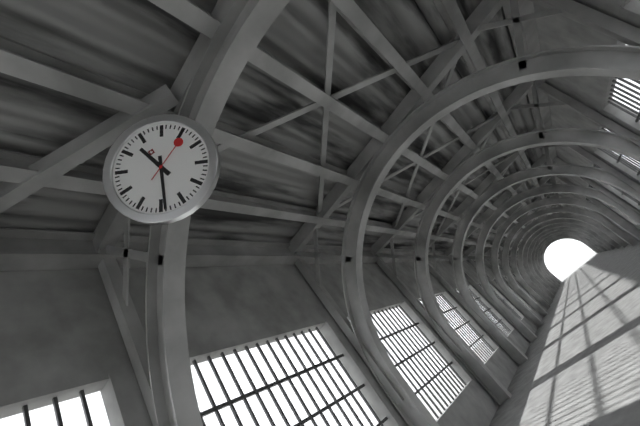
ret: 11:34
